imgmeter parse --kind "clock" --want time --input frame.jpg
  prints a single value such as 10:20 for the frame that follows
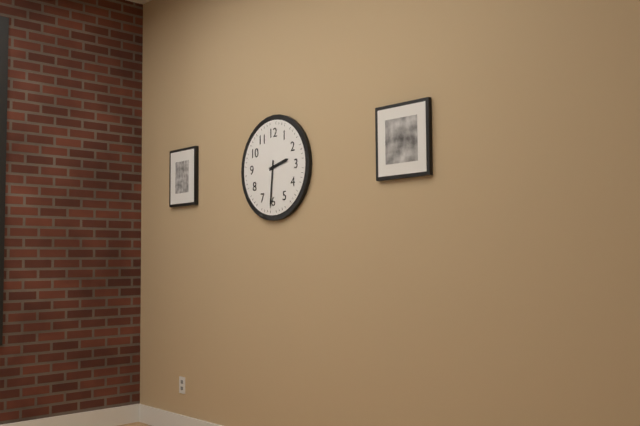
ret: 2:31
